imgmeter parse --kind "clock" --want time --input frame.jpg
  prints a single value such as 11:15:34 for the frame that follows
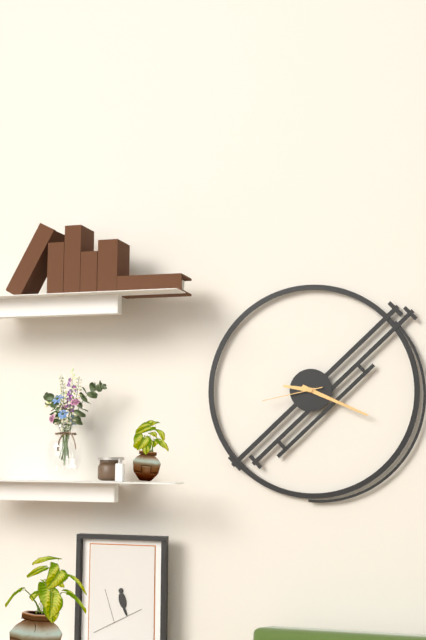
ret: 9:19:43
